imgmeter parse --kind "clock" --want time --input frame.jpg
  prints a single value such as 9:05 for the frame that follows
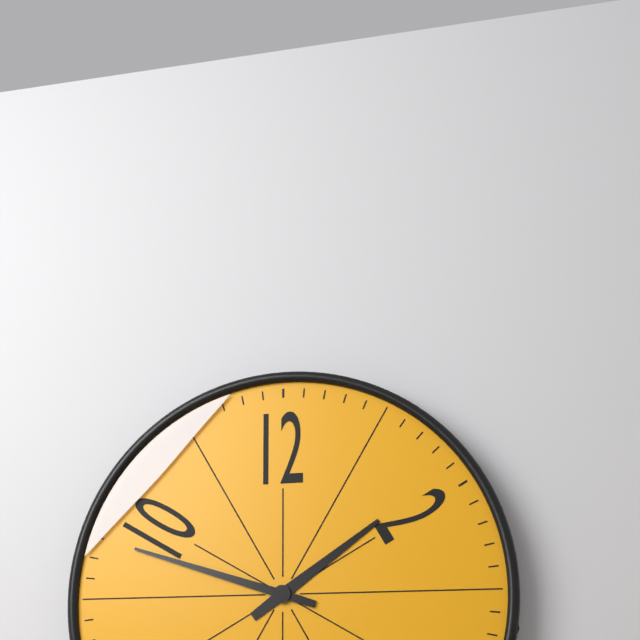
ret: 1:48
